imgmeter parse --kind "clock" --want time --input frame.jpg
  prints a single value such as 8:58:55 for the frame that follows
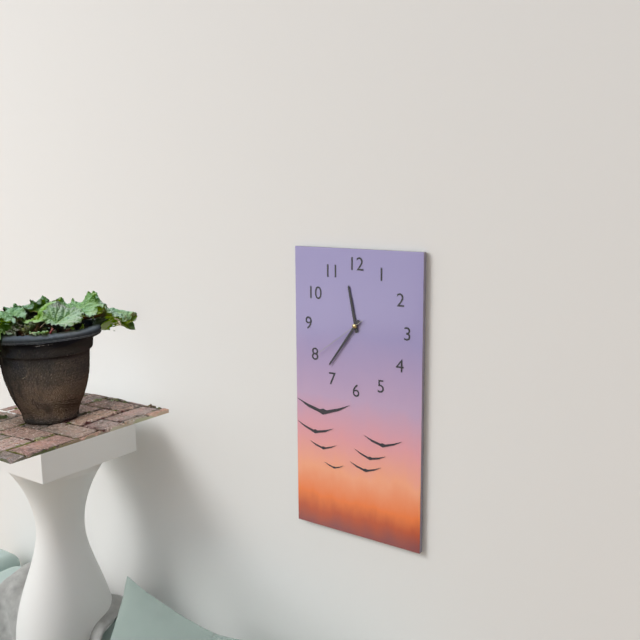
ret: 11:36:39
